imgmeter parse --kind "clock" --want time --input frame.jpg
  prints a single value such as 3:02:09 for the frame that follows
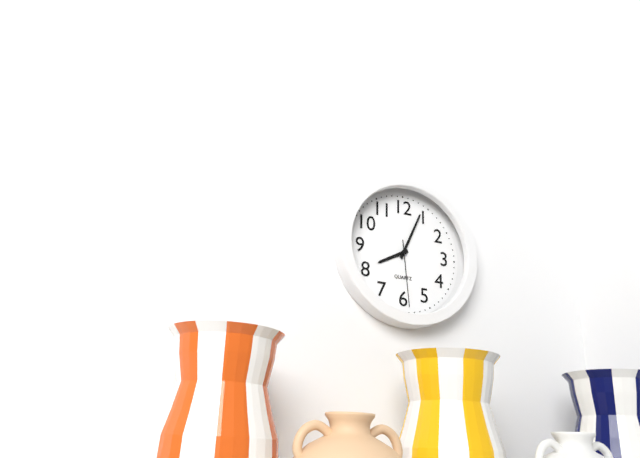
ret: 8:04:29
